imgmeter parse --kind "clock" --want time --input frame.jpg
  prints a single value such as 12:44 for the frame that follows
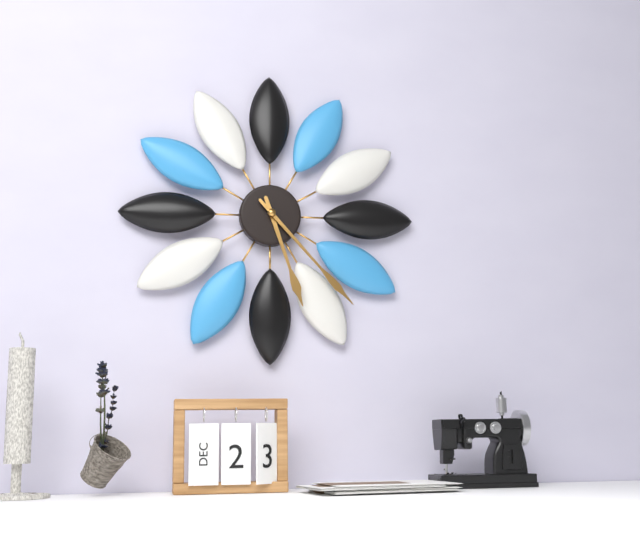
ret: 5:23
